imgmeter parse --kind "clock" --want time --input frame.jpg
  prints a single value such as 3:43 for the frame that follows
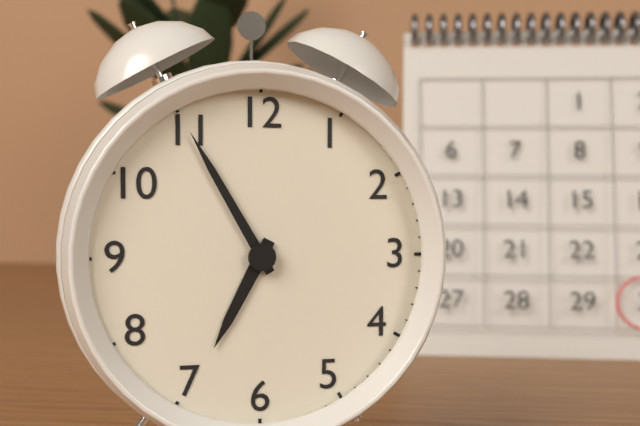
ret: 6:55
